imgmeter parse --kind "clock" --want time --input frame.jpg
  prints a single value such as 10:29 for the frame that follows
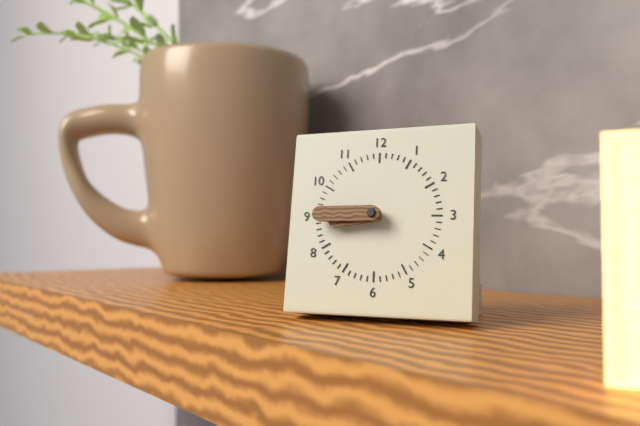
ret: 8:45
